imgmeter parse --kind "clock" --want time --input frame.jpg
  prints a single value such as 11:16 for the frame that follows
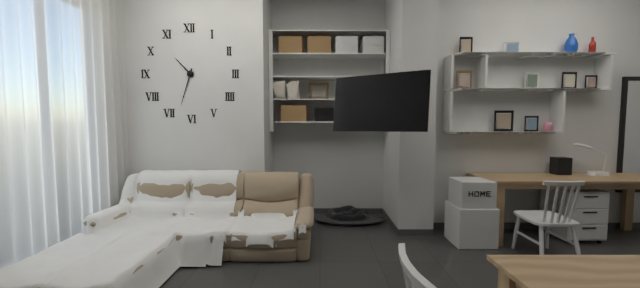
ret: 10:33
